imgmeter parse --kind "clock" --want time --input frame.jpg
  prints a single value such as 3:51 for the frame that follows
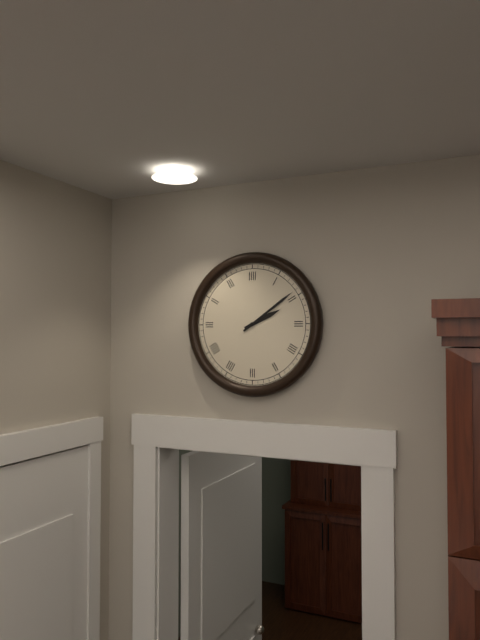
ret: 2:09
